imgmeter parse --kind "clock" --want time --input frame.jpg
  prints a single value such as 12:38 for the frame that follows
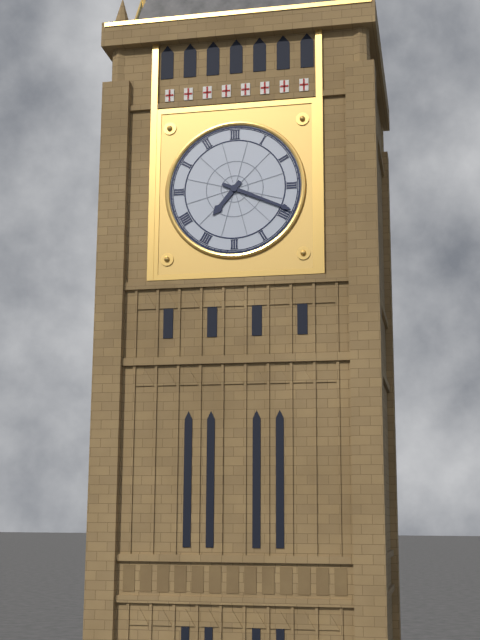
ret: 7:19
